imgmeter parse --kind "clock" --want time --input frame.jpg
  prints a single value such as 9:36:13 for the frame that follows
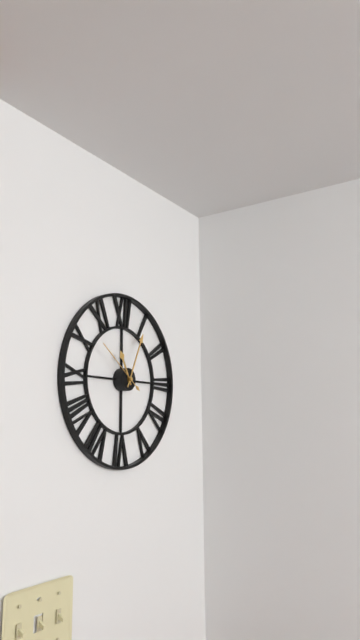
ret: 11:04:51
